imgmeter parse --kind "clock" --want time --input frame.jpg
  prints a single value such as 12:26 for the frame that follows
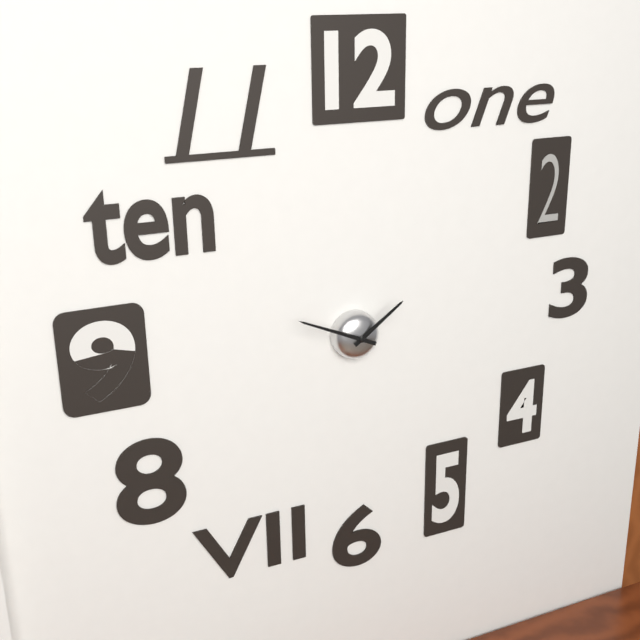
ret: 1:49
